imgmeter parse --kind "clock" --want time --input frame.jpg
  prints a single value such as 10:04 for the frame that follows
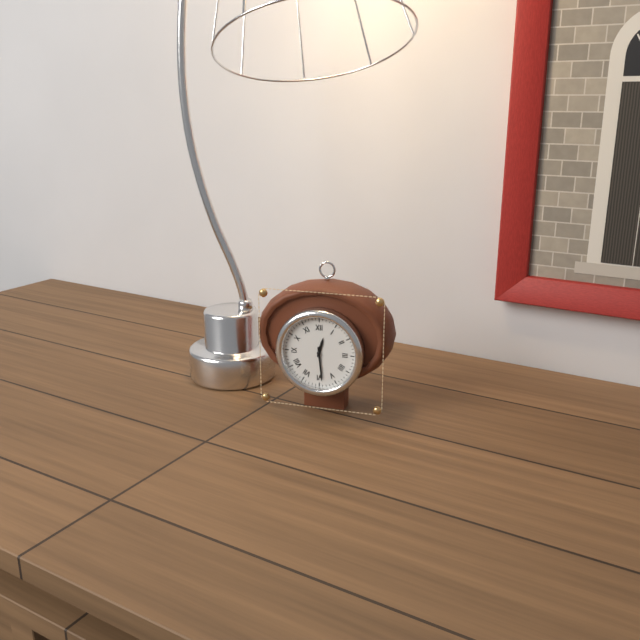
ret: 12:29
